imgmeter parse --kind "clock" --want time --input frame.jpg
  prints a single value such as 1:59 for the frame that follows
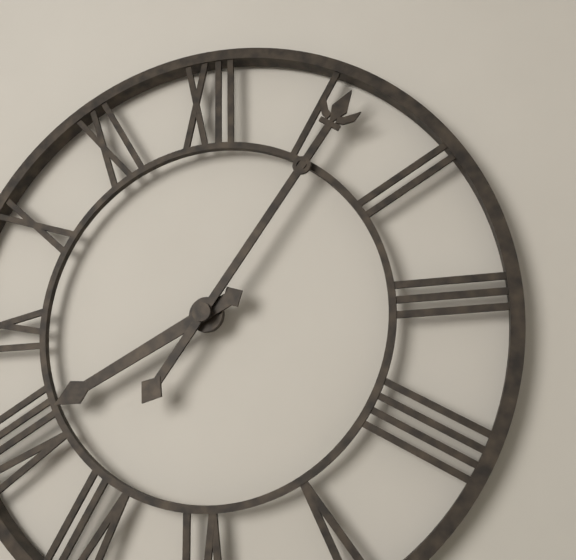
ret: 8:06
